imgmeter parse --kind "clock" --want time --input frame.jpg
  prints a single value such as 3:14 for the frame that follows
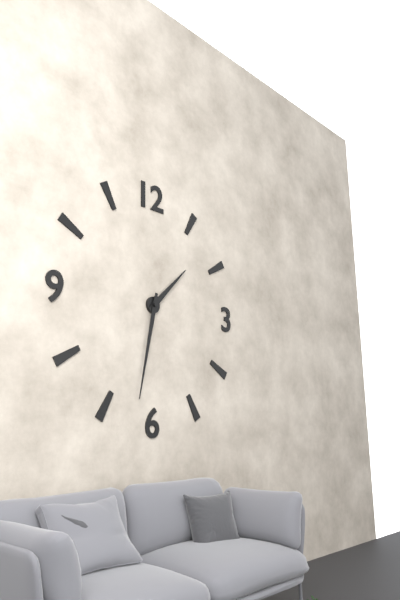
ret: 1:32
